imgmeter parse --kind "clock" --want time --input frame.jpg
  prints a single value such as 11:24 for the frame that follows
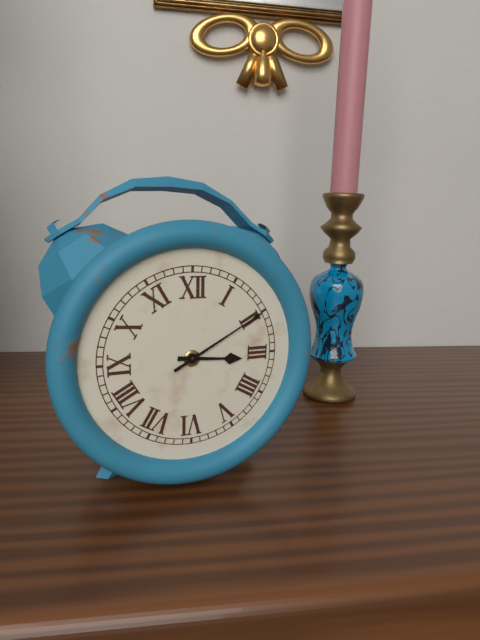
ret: 3:10
